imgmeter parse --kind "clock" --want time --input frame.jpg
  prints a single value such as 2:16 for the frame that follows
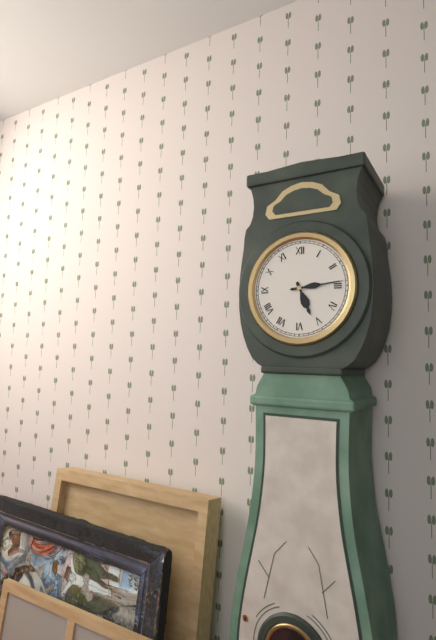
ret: 5:14
